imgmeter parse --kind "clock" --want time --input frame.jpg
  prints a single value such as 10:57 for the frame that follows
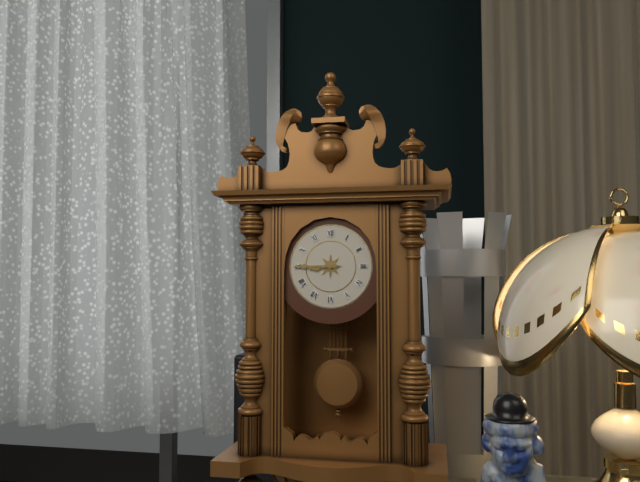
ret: 8:45
